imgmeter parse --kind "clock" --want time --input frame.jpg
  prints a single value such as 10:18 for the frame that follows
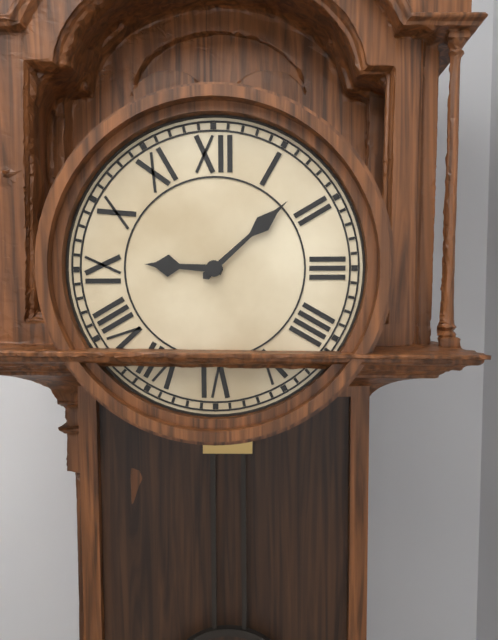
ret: 9:08
